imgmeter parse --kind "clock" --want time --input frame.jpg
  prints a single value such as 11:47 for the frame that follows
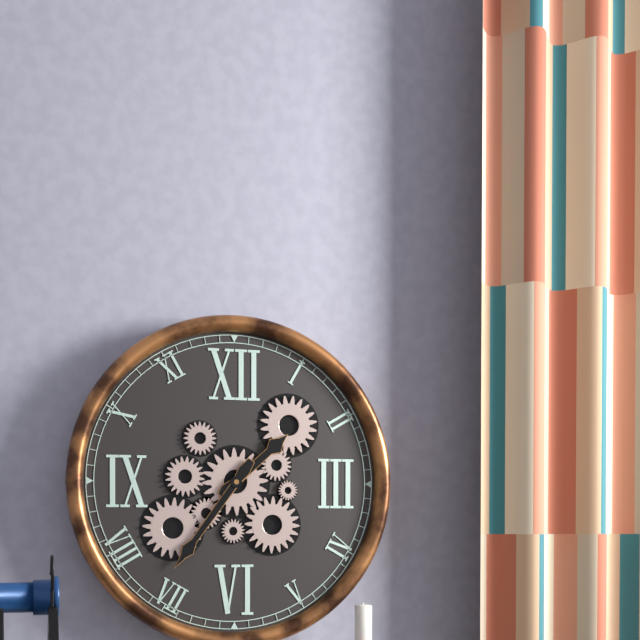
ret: 1:36
